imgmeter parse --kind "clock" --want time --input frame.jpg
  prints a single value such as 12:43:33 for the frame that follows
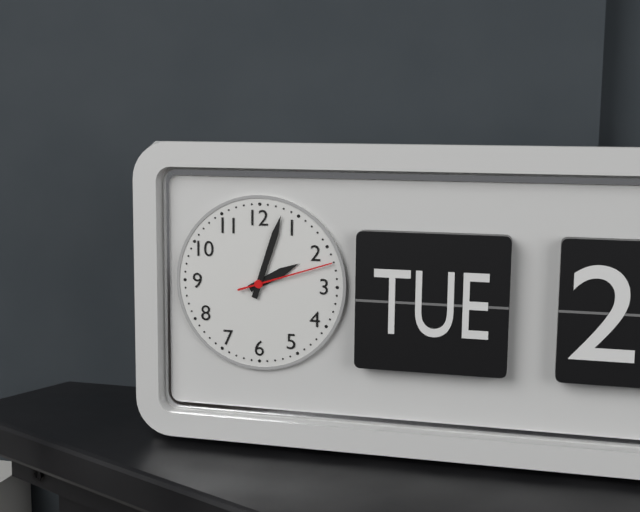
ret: 2:03:12
